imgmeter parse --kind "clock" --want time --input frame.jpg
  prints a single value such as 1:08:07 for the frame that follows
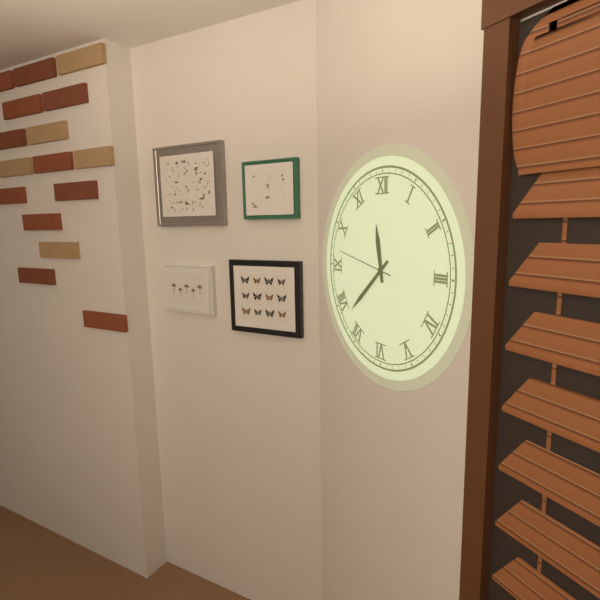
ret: 11:38:47
